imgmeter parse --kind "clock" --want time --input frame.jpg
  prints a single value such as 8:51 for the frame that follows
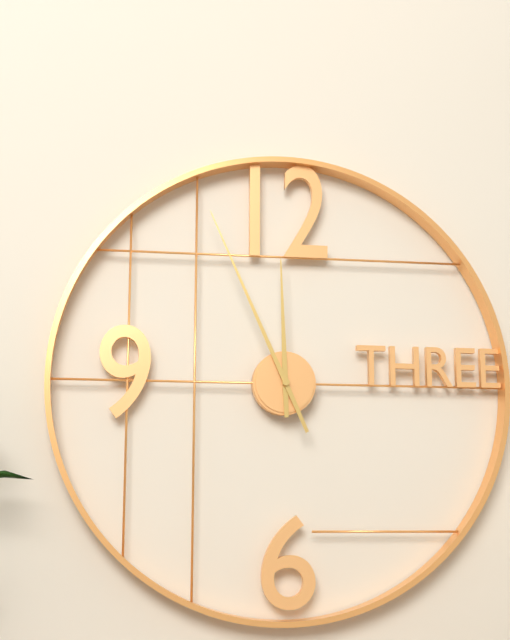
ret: 11:56
